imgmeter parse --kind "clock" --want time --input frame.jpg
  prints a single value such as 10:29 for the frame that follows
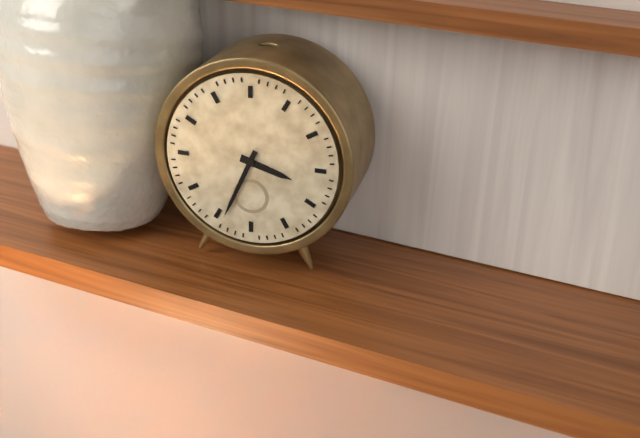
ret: 3:34
